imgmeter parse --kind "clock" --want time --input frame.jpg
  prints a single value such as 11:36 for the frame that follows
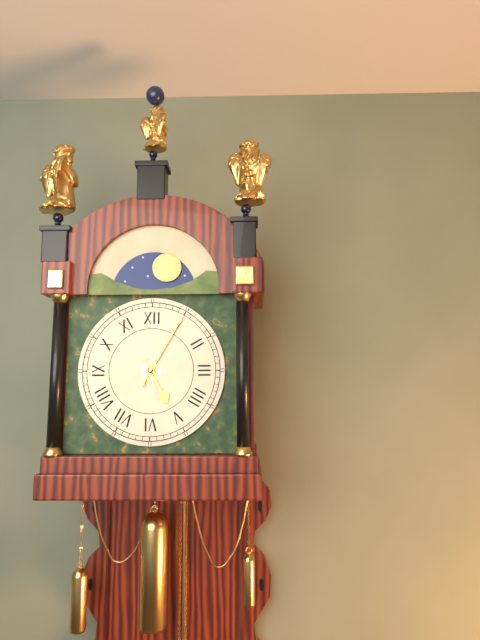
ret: 5:05
